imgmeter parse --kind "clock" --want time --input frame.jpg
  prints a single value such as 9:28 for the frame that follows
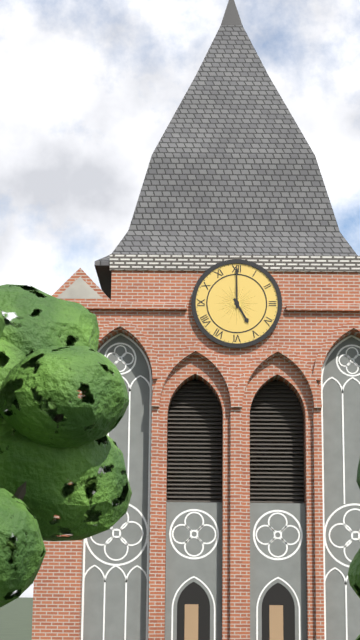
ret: 5:00
